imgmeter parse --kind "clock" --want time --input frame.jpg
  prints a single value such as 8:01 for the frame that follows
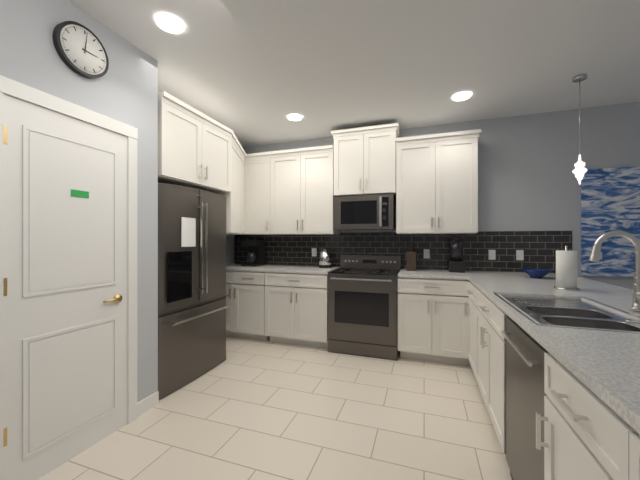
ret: 3:01
